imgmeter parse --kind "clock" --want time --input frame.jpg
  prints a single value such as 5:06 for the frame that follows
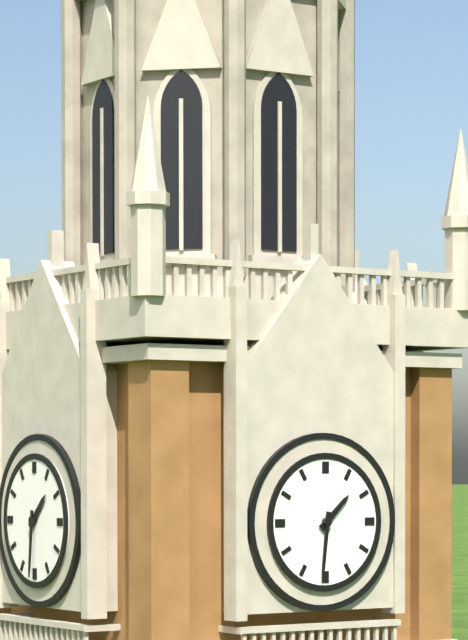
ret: 1:31
